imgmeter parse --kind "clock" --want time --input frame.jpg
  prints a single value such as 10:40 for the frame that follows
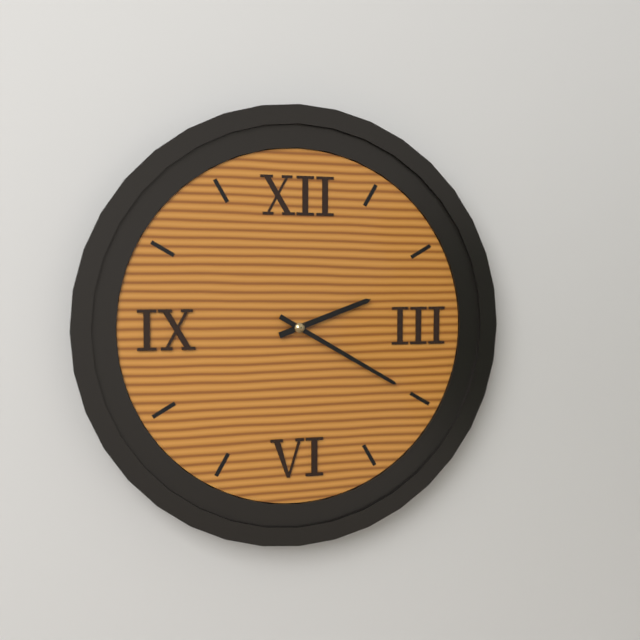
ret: 2:20
